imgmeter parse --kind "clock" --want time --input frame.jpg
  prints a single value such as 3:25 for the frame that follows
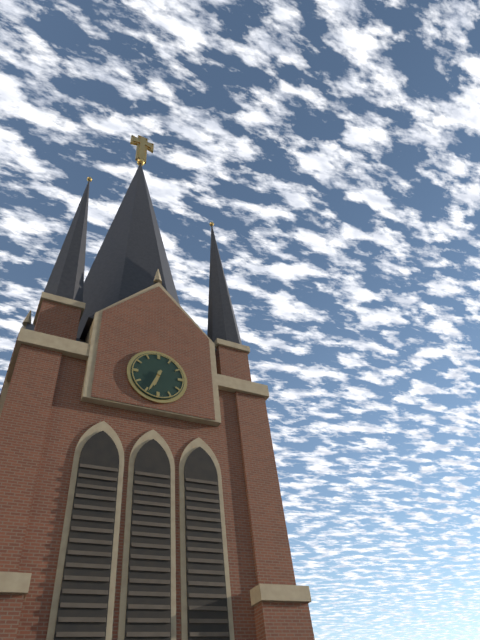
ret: 6:34
